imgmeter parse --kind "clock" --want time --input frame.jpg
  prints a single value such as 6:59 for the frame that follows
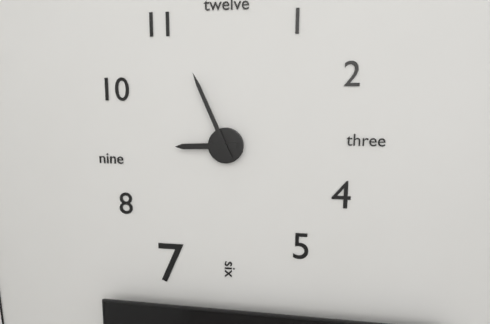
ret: 8:56
